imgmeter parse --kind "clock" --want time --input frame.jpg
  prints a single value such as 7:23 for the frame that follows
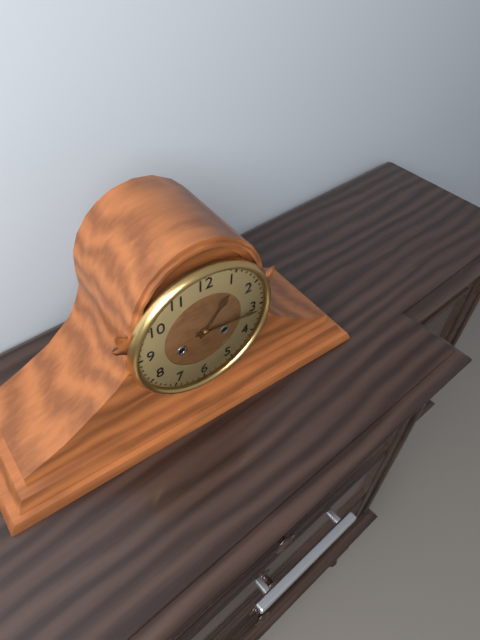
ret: 1:16
